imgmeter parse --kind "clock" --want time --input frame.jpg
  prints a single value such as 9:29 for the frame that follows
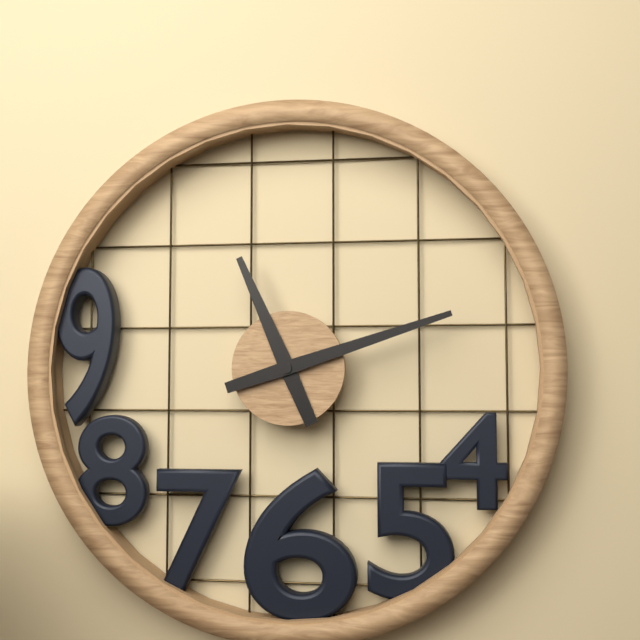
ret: 11:12
